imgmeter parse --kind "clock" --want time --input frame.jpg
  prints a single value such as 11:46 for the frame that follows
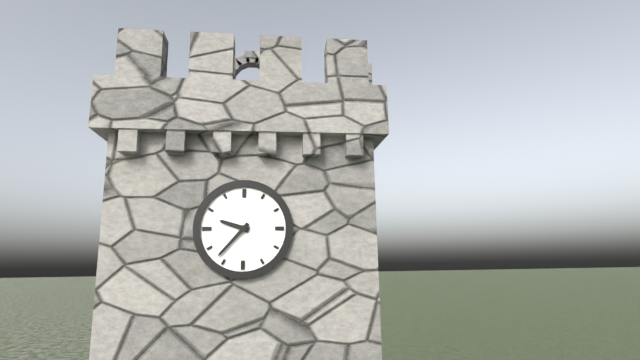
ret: 9:37
